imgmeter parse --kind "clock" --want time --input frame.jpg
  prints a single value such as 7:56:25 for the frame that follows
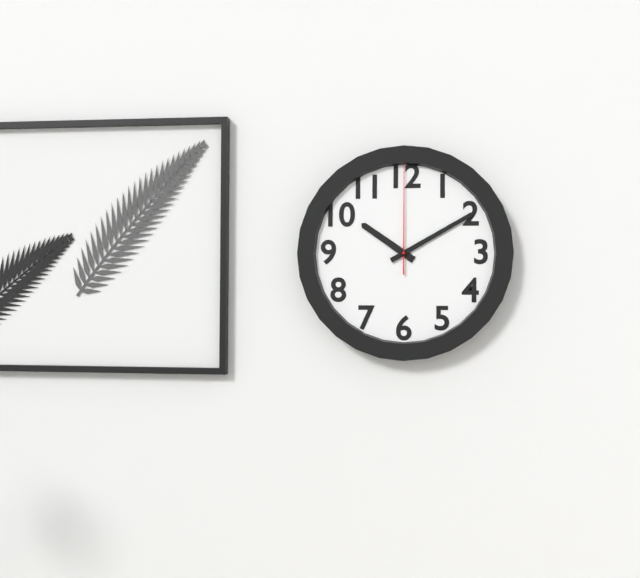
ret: 10:10:00
